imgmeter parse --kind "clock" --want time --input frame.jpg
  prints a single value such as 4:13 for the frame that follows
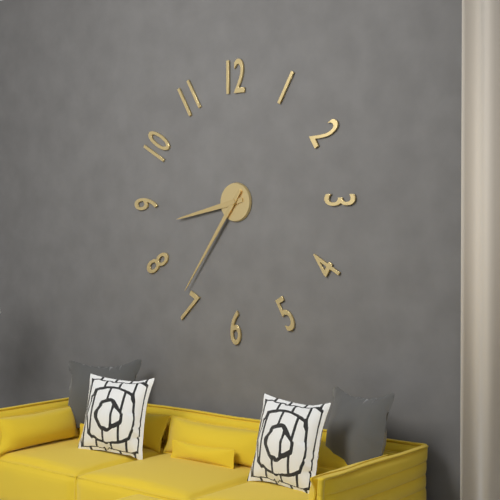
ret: 8:36
